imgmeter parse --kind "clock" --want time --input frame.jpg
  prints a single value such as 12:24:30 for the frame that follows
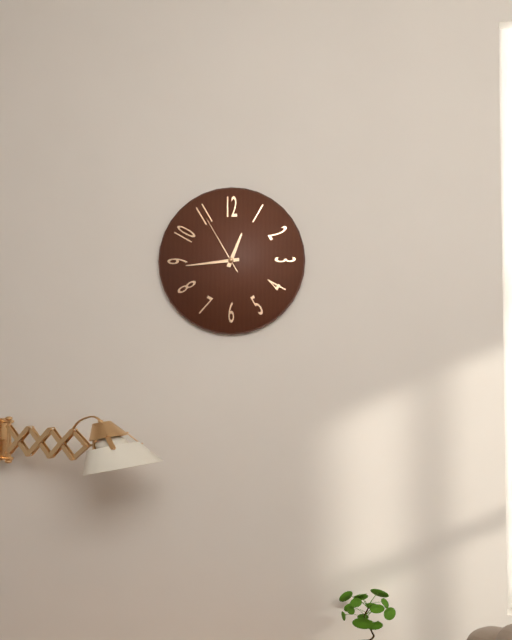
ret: 12:44:55
